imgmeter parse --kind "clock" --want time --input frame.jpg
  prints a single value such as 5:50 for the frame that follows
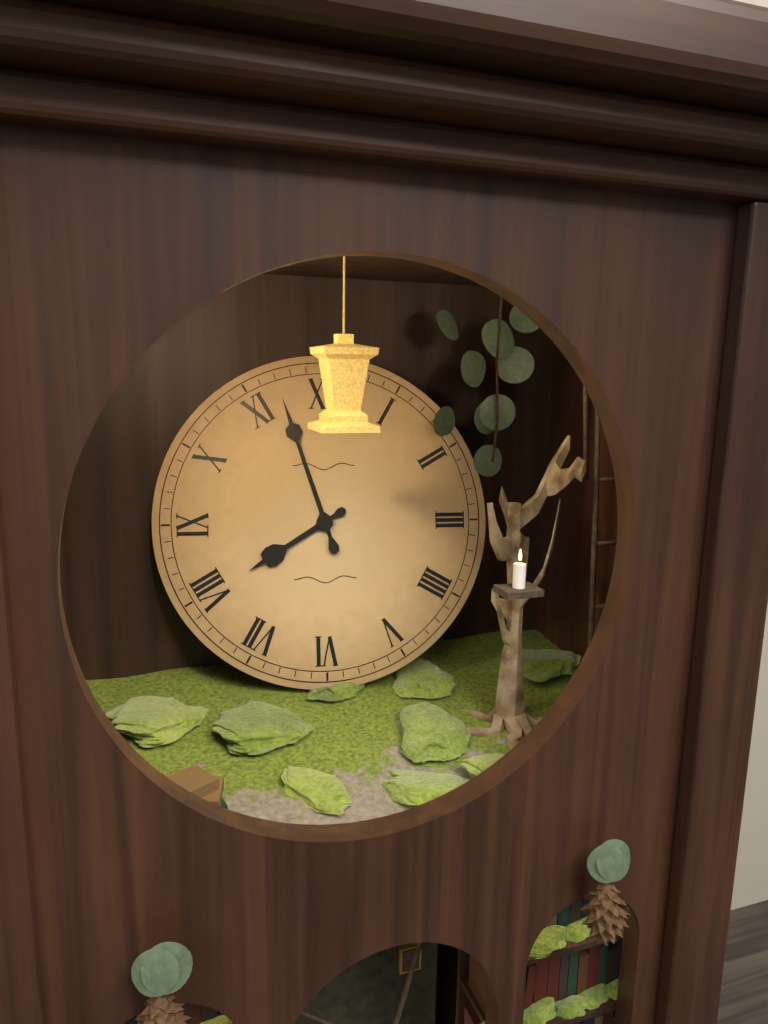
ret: 7:57
